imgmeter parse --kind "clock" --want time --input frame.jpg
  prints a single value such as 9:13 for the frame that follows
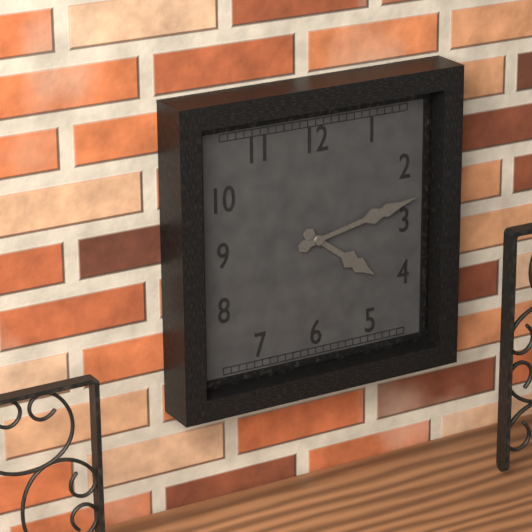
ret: 4:13
